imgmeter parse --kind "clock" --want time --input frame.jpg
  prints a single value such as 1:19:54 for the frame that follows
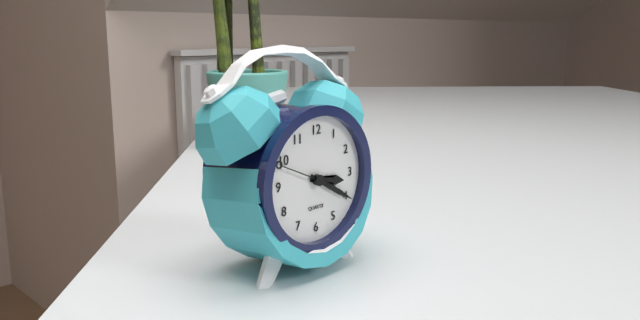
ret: 3:20:49
